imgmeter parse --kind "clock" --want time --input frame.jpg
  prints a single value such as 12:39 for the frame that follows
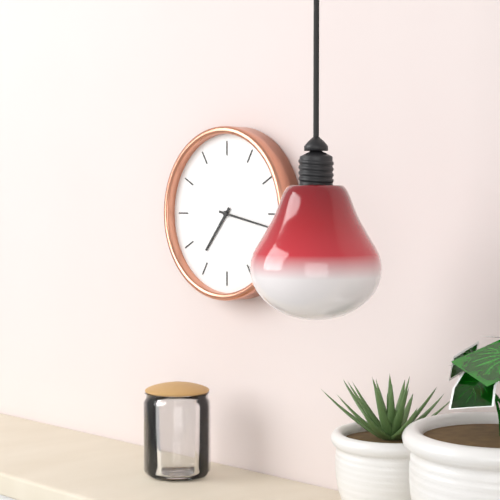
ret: 7:17
